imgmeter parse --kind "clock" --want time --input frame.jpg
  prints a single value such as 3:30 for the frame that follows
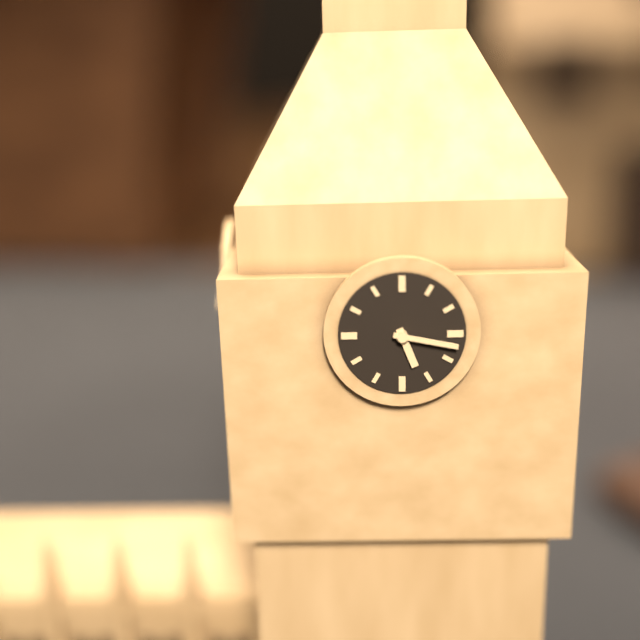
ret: 5:17
